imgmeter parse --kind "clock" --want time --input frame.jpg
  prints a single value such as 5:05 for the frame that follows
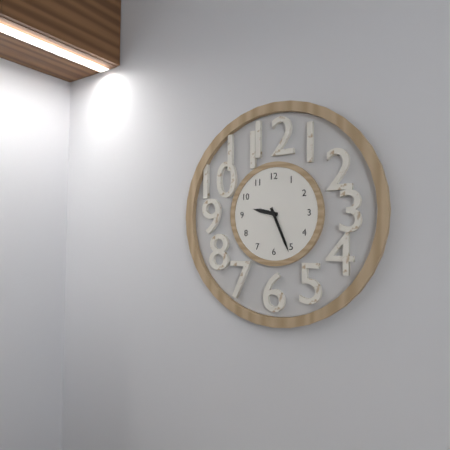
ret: 9:26
